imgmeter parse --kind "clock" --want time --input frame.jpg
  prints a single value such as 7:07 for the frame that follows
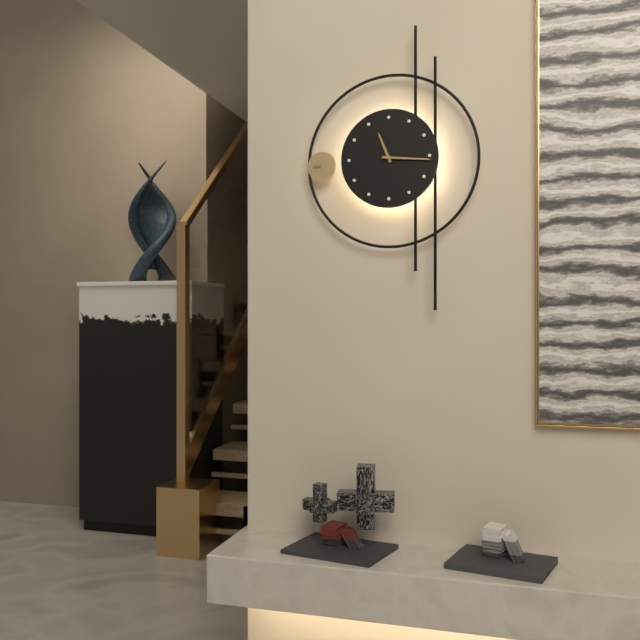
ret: 11:16
